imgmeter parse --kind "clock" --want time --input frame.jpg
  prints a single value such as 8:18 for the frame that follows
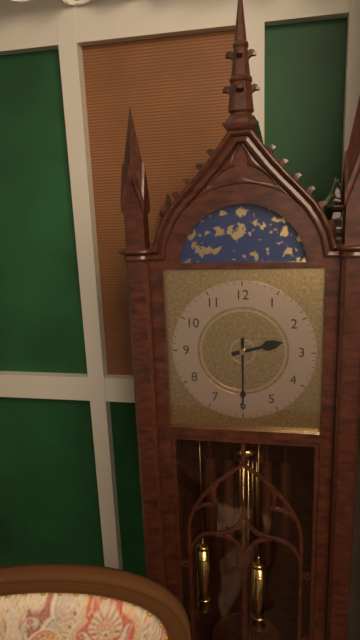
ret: 2:30
